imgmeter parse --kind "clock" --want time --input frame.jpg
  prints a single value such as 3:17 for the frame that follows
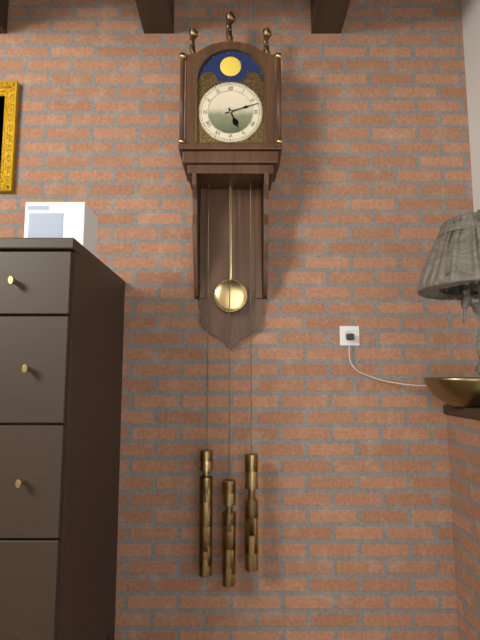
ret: 5:12
